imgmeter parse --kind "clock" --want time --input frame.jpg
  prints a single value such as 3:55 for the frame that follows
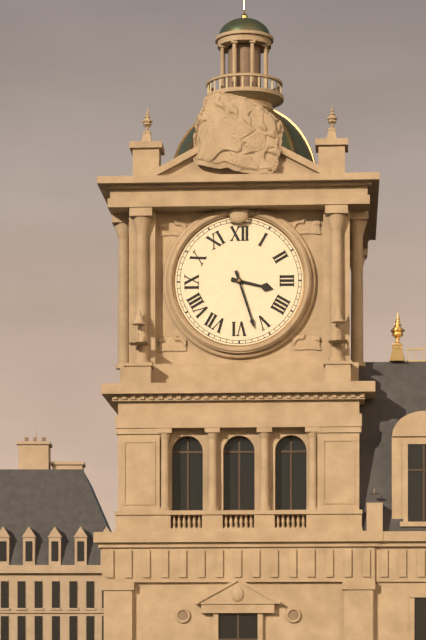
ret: 3:27
